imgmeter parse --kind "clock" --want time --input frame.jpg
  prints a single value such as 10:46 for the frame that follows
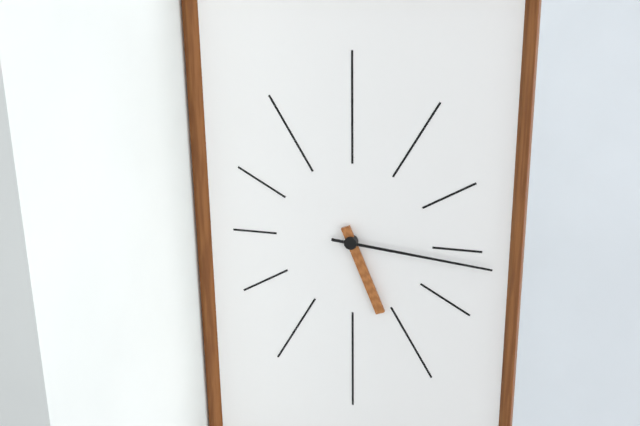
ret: 5:16
